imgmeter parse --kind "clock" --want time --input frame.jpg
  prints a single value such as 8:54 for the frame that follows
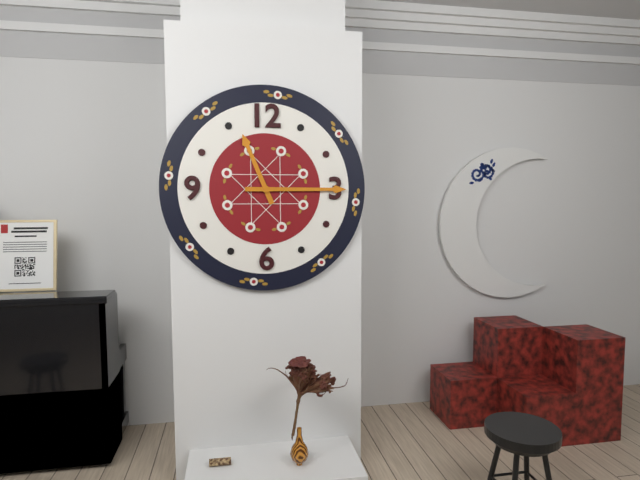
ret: 11:15
